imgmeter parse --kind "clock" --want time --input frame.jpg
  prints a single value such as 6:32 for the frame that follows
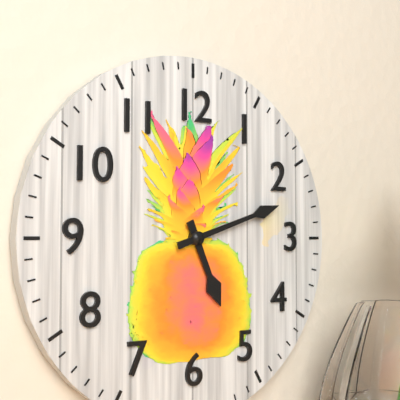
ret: 5:12
